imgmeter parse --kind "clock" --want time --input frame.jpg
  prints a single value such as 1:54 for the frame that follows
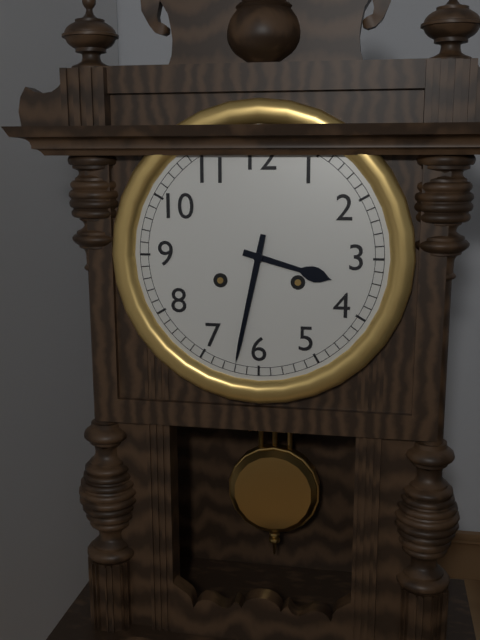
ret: 3:32
